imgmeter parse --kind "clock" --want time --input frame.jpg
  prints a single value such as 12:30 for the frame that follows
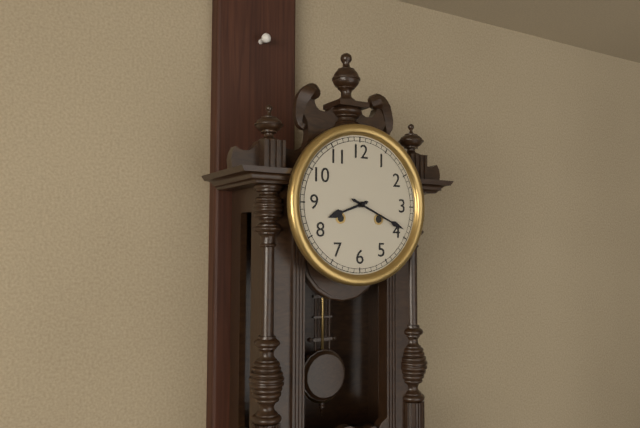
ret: 8:19
